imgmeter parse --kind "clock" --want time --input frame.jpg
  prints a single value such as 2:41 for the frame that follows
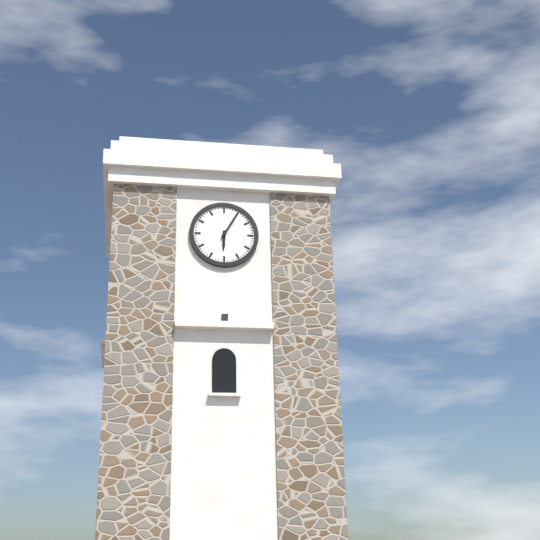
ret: 6:05
